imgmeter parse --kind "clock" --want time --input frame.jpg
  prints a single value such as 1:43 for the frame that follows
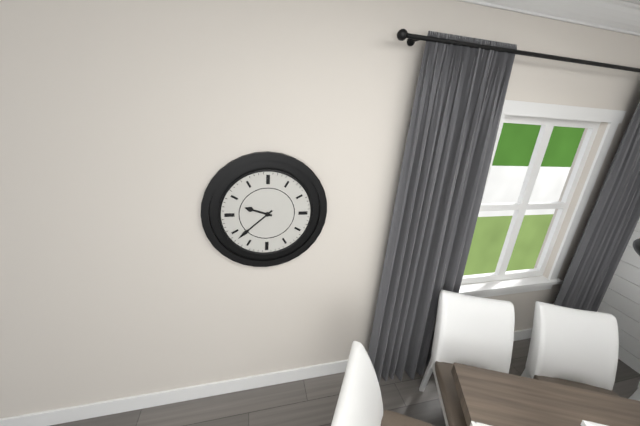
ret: 9:38
